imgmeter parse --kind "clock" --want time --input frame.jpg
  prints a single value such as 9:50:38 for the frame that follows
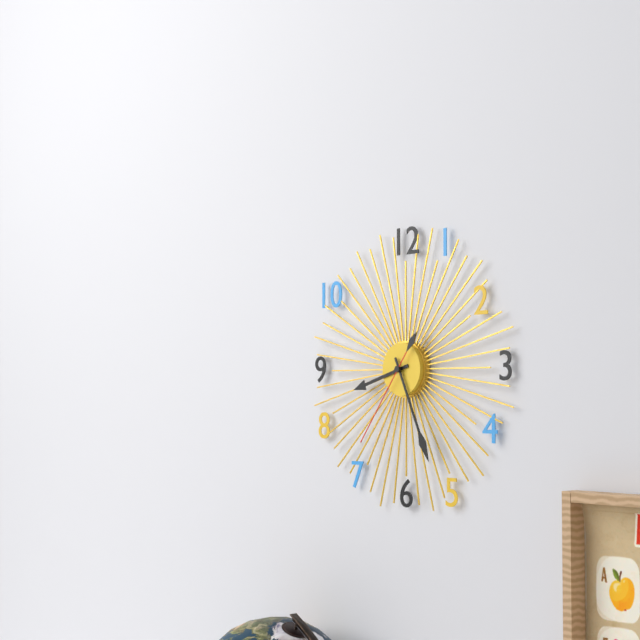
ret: 8:26:36
